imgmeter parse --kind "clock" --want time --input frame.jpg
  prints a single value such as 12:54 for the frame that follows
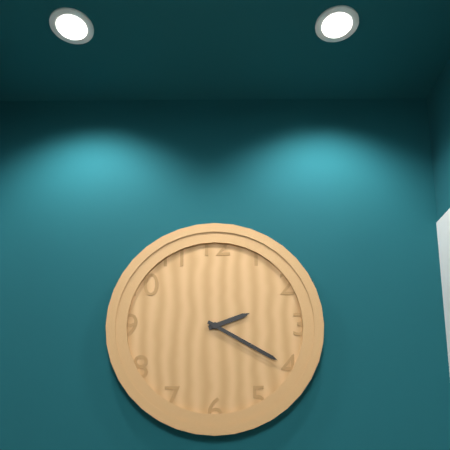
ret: 2:20
